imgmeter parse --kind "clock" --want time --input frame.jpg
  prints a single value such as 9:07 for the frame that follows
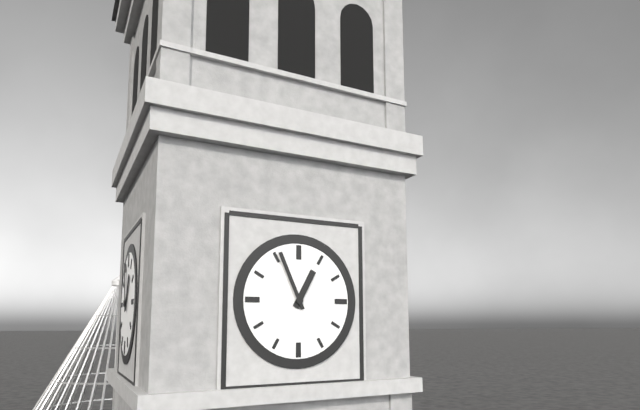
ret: 12:56
